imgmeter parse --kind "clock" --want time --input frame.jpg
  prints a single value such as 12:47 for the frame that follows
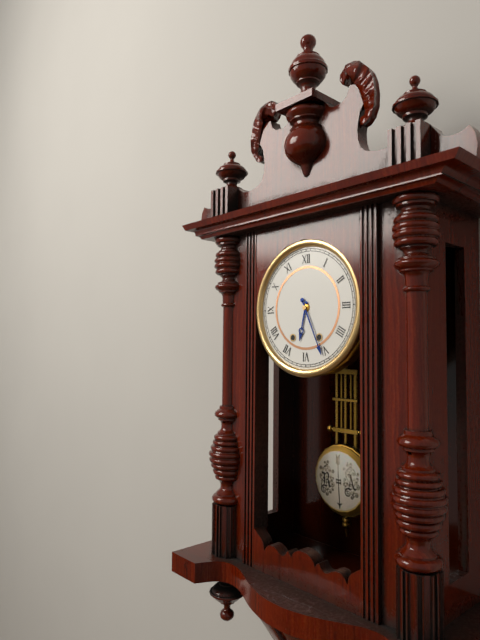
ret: 6:26
